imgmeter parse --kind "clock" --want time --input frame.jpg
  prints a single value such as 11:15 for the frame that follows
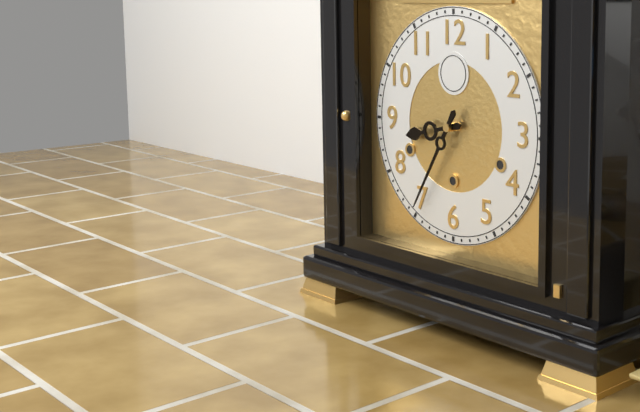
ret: 8:35
